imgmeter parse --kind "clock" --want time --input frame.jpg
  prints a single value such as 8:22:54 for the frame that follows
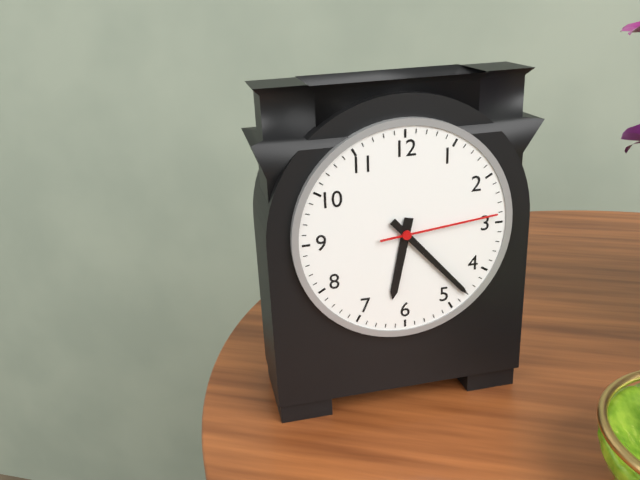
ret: 6:23:14
